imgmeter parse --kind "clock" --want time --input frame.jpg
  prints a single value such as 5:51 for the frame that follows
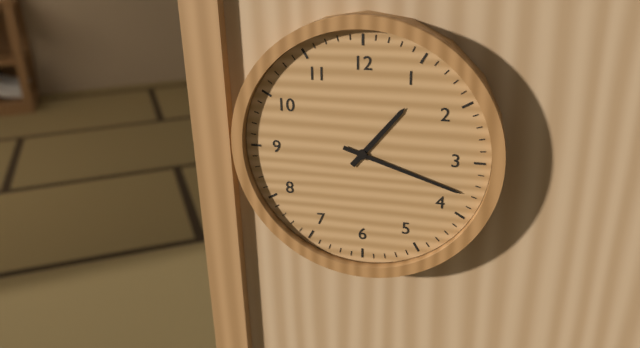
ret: 1:18
